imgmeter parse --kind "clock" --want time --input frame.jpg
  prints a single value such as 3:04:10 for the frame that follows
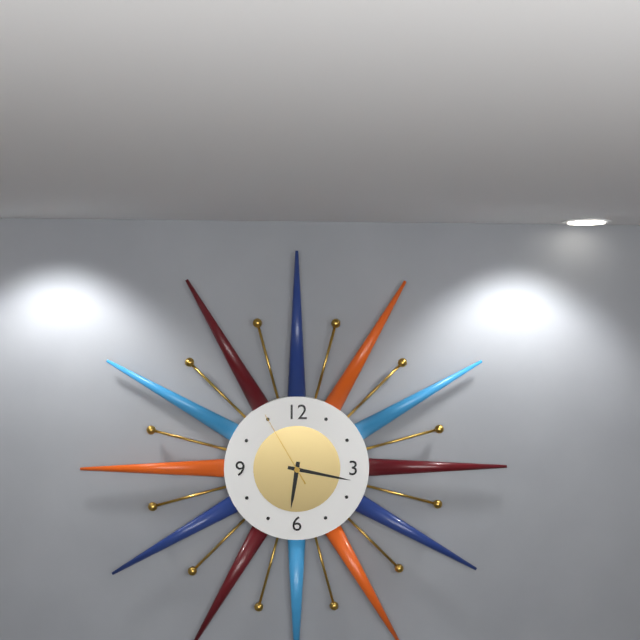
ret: 6:17:55
